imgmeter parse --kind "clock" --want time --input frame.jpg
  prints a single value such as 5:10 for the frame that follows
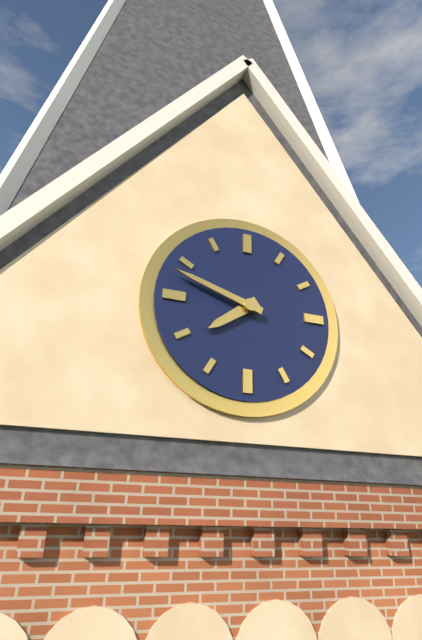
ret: 7:48
